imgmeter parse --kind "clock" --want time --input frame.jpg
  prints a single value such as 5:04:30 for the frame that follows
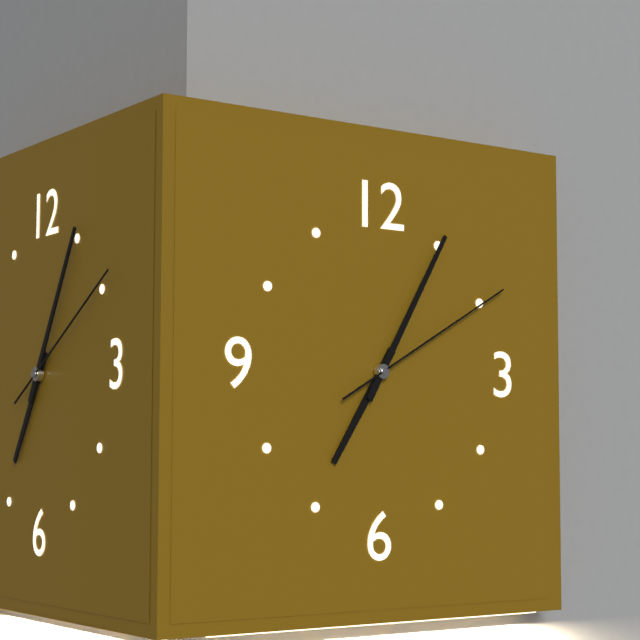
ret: 7:05:10
